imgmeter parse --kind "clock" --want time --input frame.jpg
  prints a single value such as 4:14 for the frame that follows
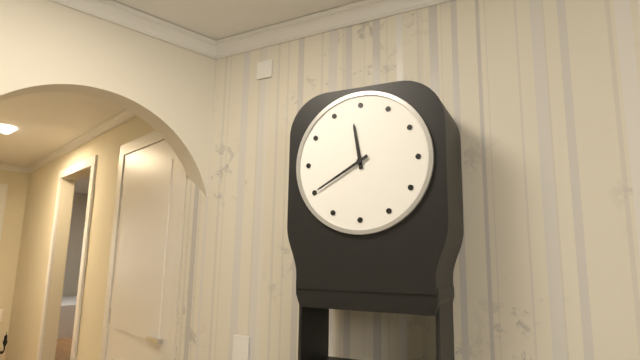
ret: 11:40
